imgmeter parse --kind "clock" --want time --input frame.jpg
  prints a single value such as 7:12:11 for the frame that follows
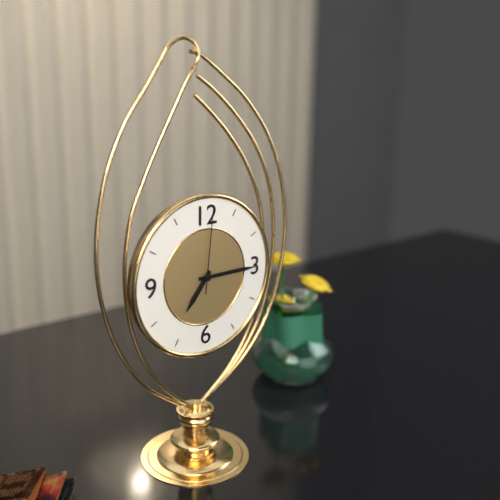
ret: 7:15:01
